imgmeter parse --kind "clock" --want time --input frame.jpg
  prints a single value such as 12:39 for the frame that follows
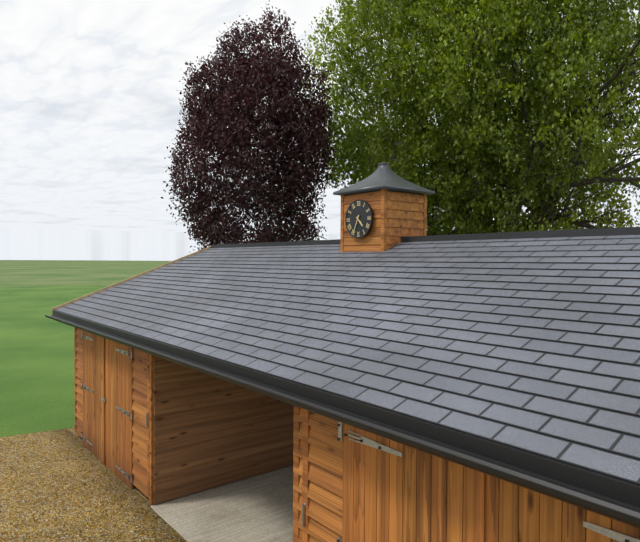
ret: 4:34
